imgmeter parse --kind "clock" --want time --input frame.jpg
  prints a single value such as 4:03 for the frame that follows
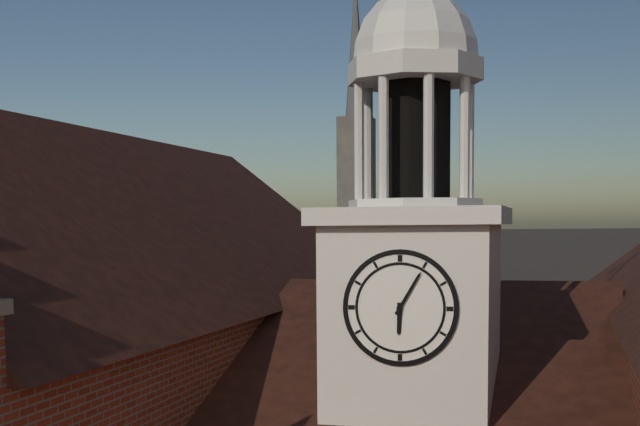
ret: 6:05
